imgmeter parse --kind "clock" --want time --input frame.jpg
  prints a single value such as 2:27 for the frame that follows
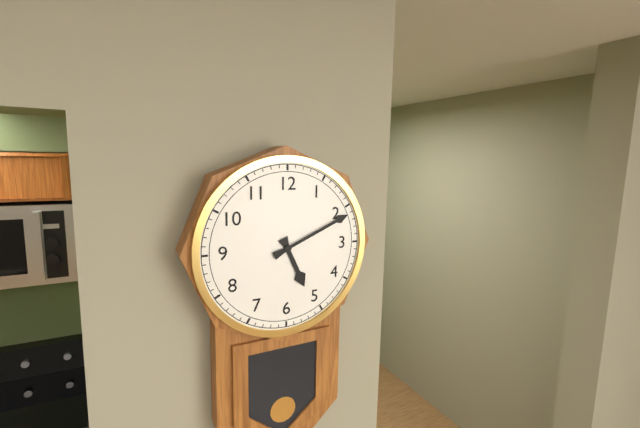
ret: 5:11
